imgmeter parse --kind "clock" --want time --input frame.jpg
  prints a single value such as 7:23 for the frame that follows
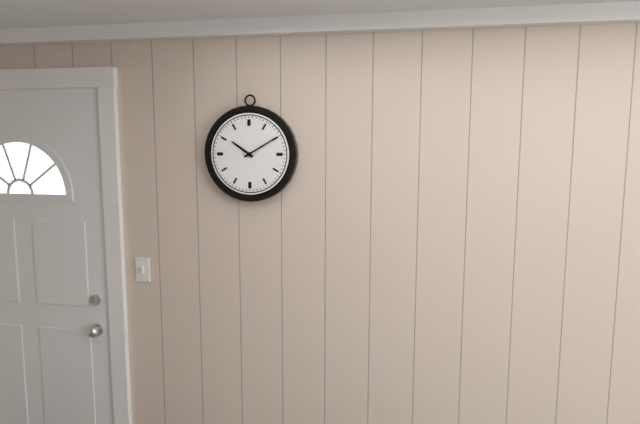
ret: 10:10
